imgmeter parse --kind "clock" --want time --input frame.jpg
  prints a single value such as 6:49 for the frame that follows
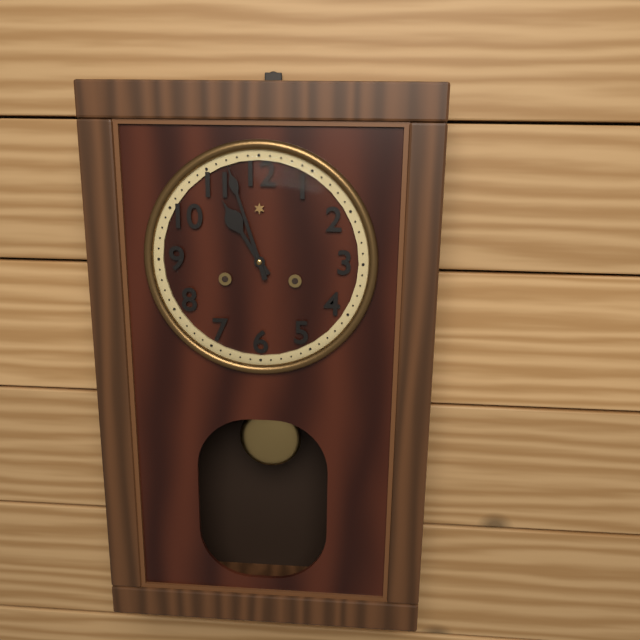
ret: 10:57
